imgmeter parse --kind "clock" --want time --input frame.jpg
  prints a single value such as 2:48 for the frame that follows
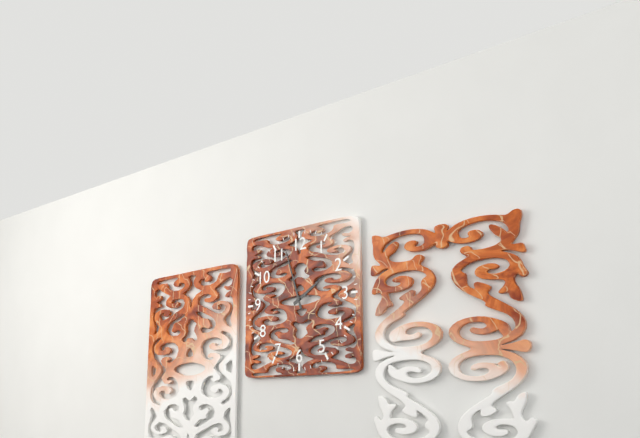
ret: 1:57
